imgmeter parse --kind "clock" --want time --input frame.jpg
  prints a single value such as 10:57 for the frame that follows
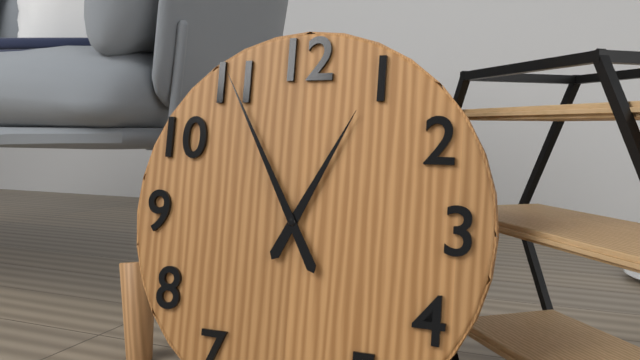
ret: 12:55
